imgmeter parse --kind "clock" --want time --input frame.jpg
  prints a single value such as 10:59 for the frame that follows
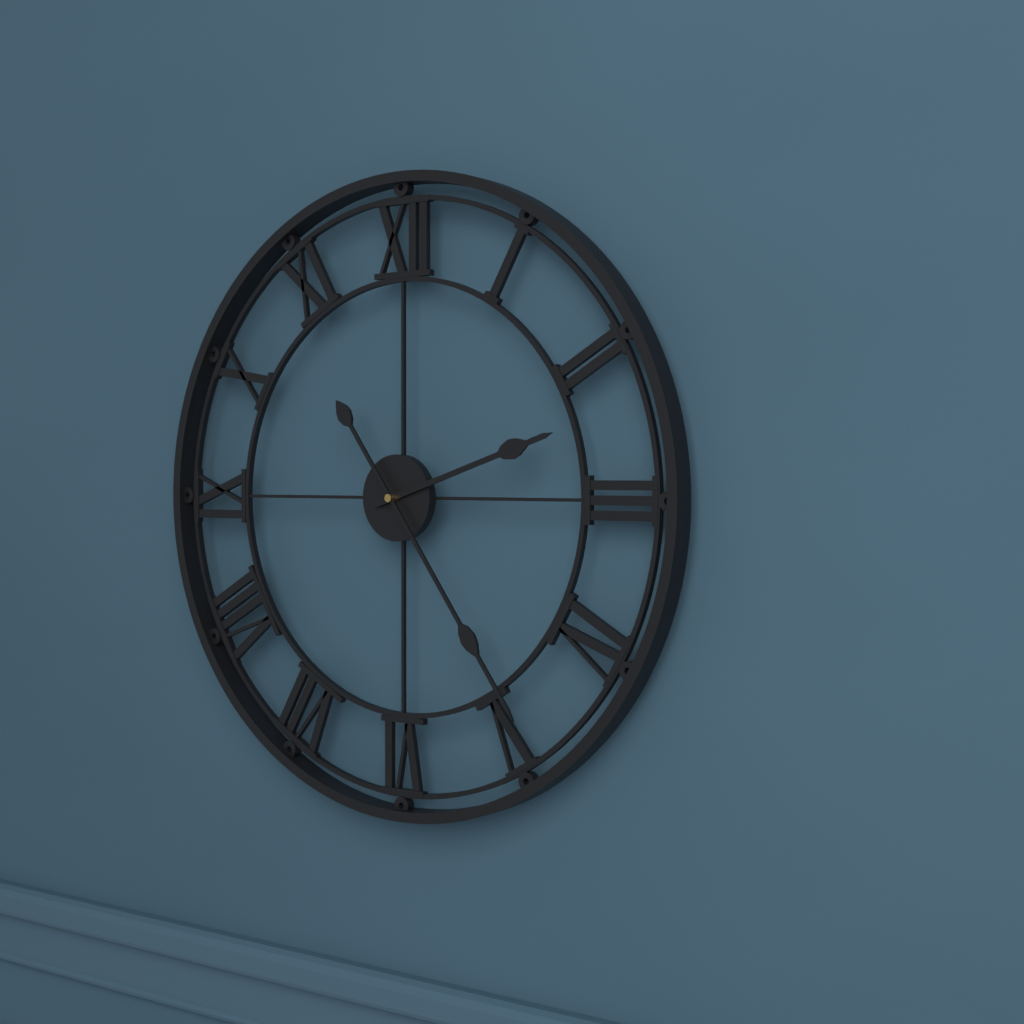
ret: 2:24
